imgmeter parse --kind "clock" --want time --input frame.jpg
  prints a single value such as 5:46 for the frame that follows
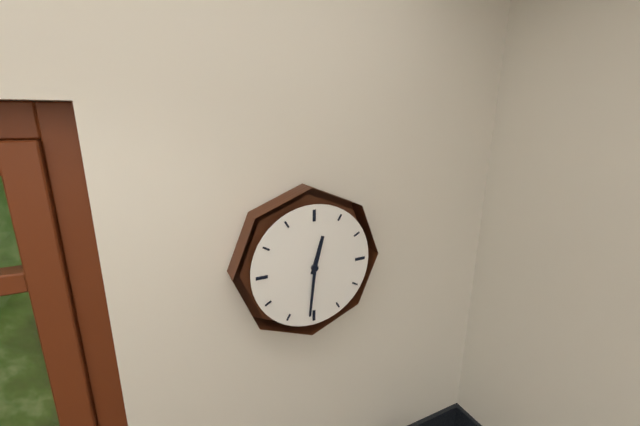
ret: 12:31
